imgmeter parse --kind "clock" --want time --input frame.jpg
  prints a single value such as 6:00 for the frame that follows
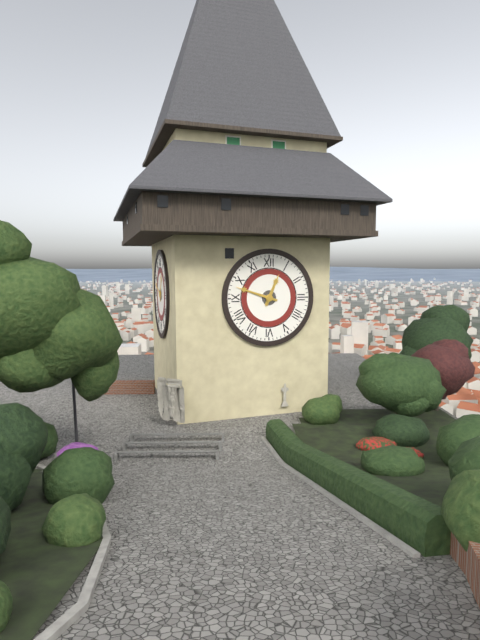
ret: 12:48
